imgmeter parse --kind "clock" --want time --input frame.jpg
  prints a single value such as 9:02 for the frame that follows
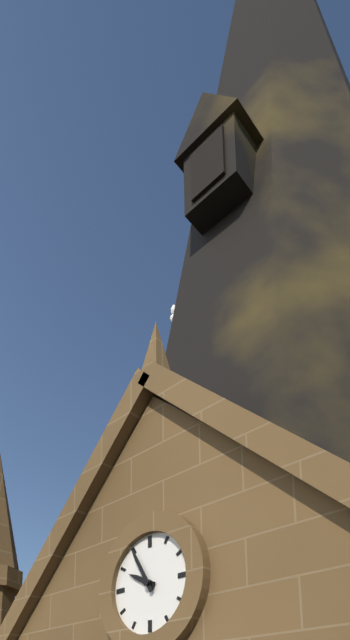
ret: 9:55
